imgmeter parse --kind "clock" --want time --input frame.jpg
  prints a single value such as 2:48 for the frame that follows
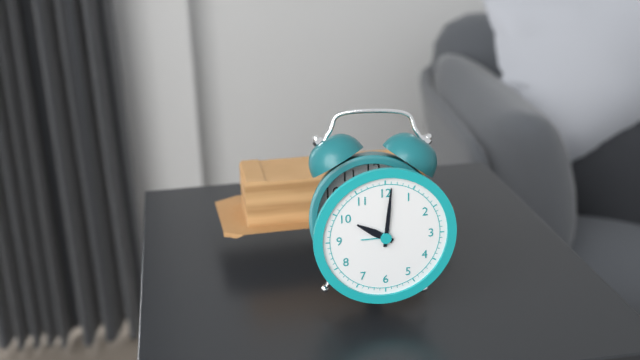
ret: 10:01
